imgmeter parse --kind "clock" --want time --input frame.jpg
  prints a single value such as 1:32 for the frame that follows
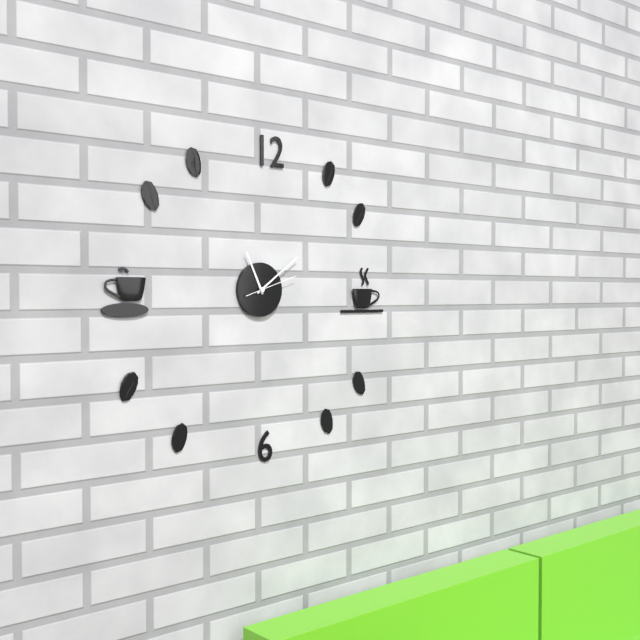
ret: 11:09
